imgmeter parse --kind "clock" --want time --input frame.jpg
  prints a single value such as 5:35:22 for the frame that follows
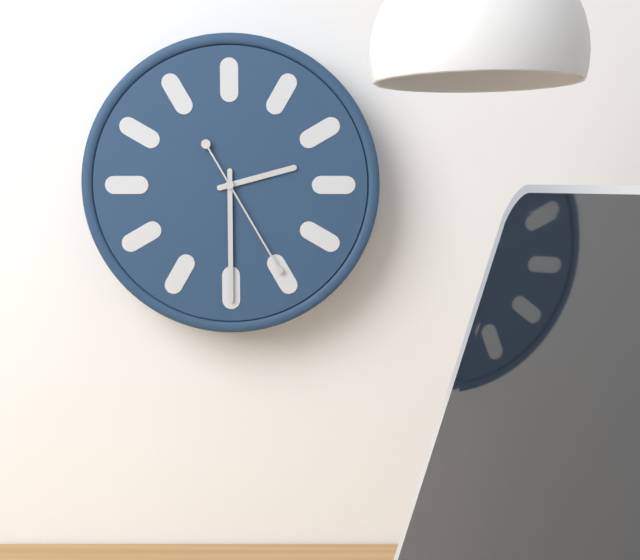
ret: 2:30:25
